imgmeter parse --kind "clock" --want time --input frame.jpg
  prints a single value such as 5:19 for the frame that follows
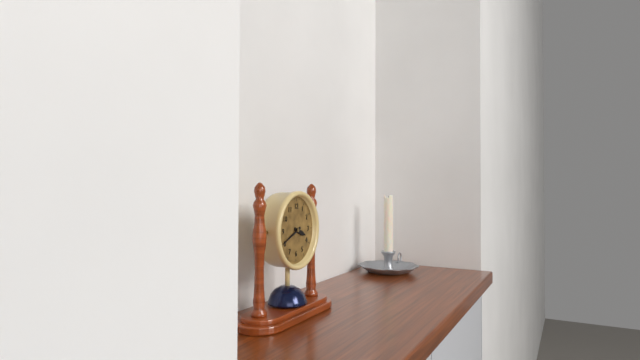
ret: 3:41
